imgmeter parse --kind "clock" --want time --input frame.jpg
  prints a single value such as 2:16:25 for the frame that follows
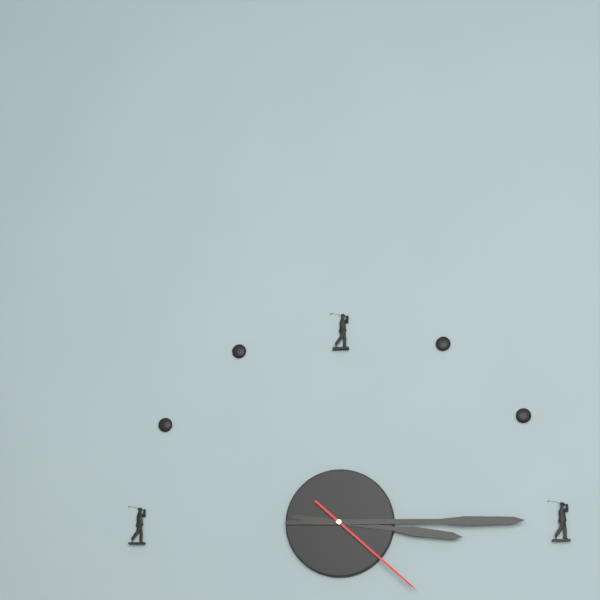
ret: 3:15:22
